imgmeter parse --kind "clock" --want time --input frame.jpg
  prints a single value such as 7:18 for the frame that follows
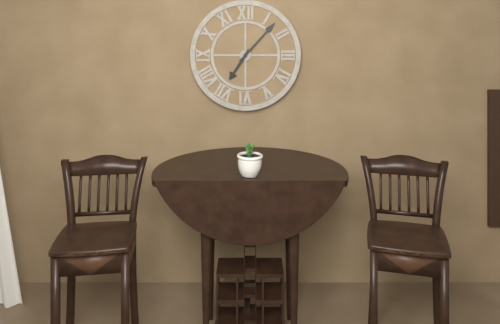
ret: 7:07
